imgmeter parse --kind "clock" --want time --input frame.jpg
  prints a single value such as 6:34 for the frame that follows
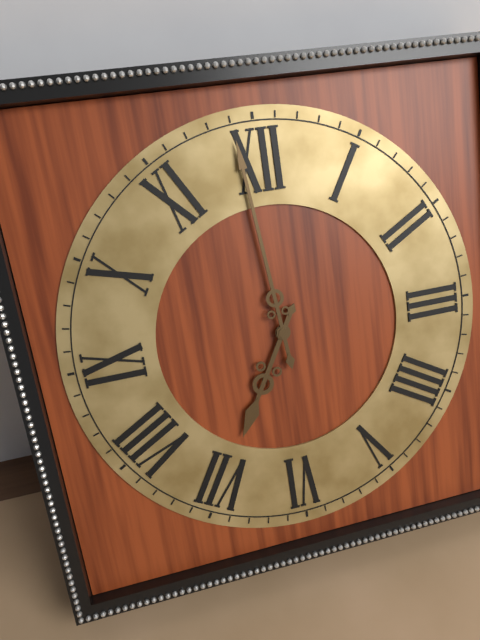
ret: 6:59
